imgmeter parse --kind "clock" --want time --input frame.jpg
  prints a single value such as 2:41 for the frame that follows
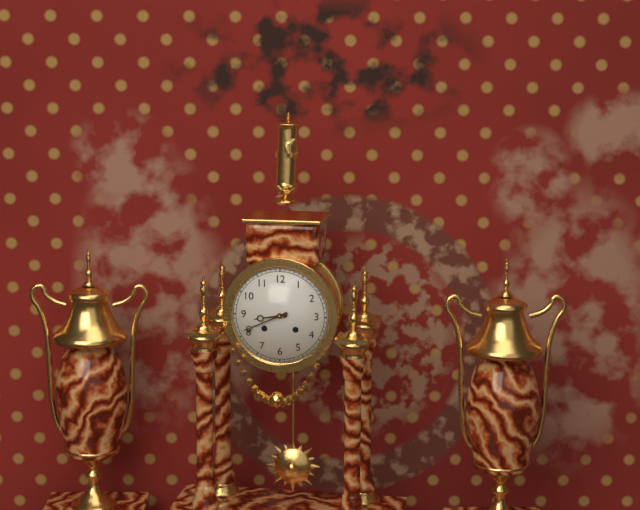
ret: 8:41
